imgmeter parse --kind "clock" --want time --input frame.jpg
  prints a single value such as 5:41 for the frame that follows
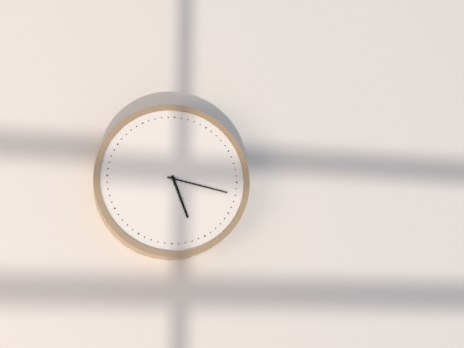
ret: 5:17
